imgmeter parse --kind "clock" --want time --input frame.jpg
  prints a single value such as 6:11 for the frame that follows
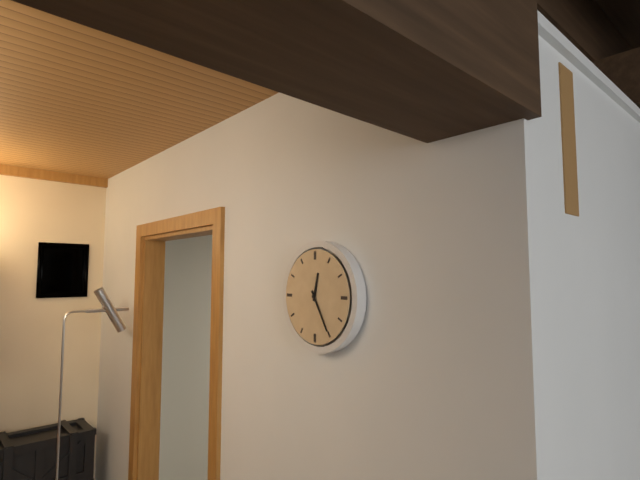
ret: 12:25
